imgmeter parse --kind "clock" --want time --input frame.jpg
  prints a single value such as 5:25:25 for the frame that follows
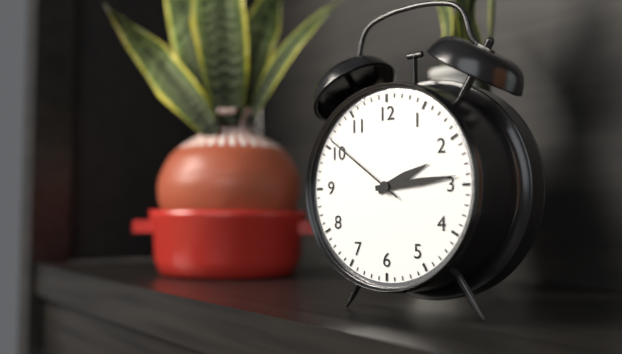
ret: 2:14:51
